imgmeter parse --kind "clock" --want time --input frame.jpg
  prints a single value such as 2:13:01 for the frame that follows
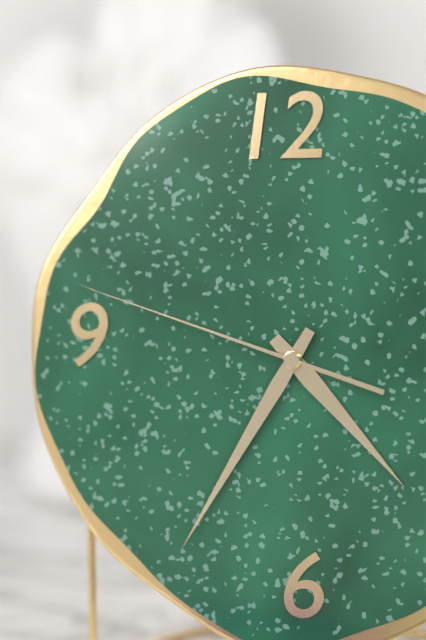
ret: 4:35:48
